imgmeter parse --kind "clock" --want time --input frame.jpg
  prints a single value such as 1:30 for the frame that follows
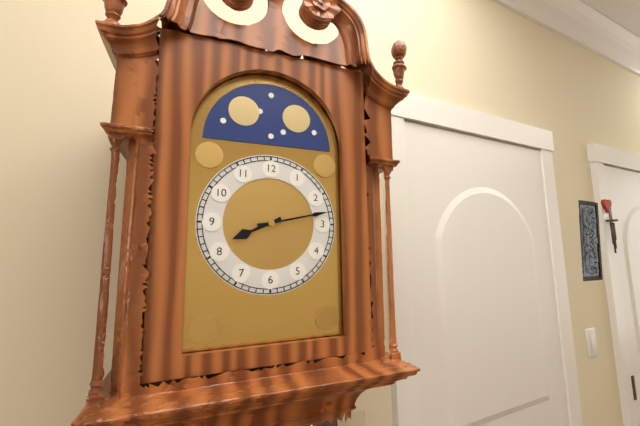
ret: 8:13
